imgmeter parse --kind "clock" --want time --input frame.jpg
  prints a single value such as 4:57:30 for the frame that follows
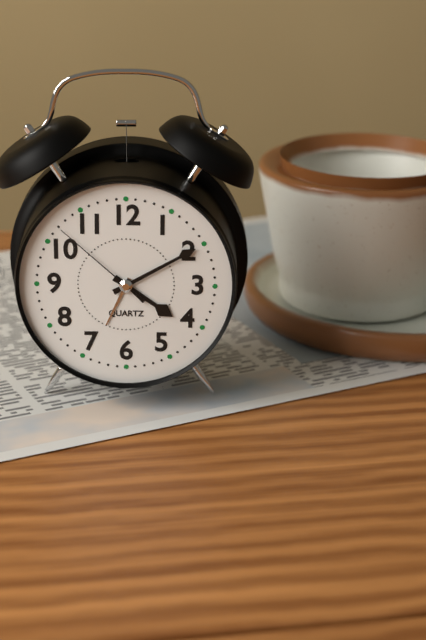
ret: 4:10:52
